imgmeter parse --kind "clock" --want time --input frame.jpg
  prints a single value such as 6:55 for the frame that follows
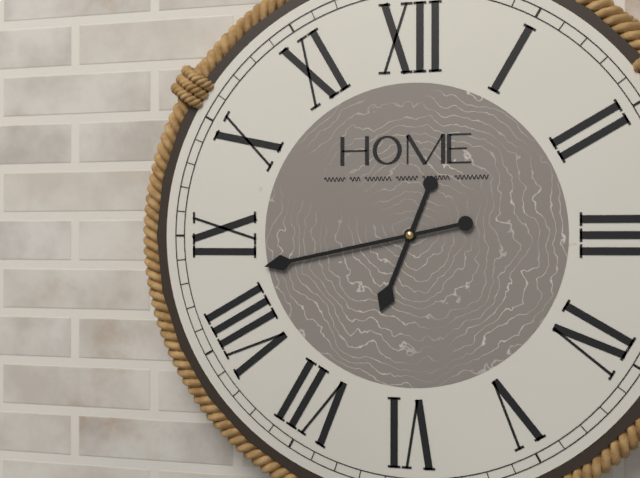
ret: 6:43
